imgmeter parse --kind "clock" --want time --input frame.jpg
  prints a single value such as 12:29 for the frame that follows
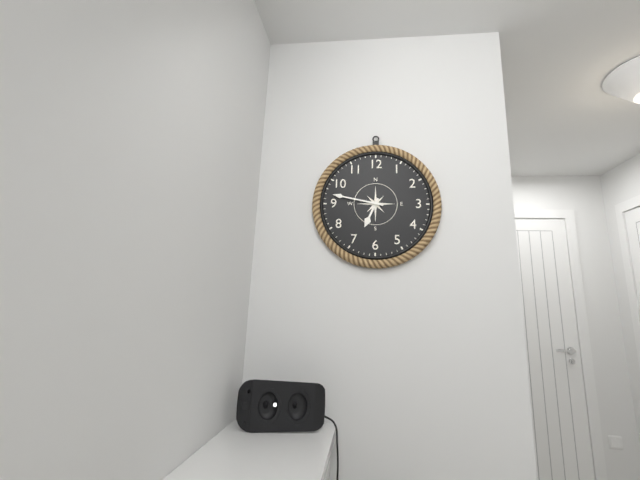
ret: 6:47
